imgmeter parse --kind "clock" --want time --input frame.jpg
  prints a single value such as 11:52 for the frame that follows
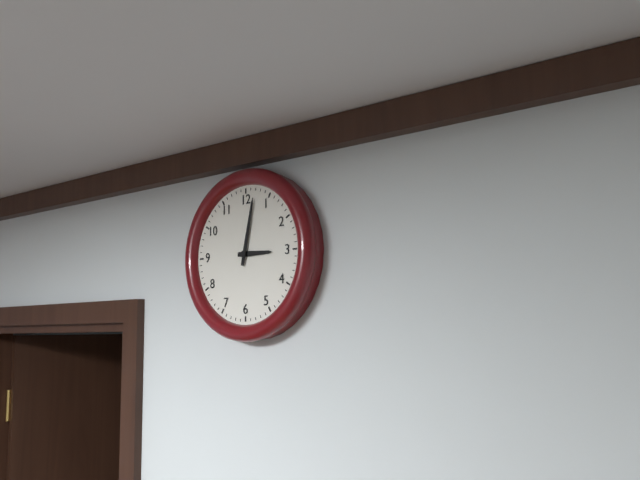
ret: 3:02
